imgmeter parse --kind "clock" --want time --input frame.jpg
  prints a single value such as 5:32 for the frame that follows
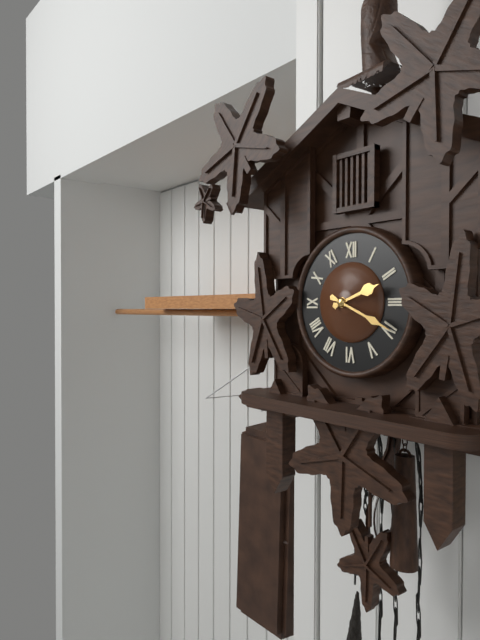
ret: 2:19
